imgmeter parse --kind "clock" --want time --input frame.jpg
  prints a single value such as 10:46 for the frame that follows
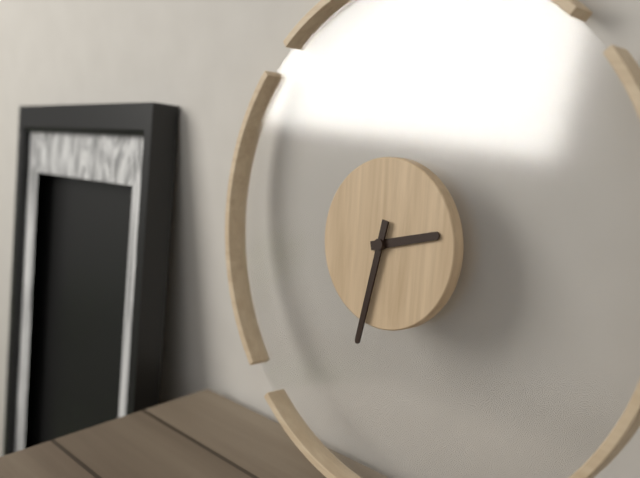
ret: 2:32
